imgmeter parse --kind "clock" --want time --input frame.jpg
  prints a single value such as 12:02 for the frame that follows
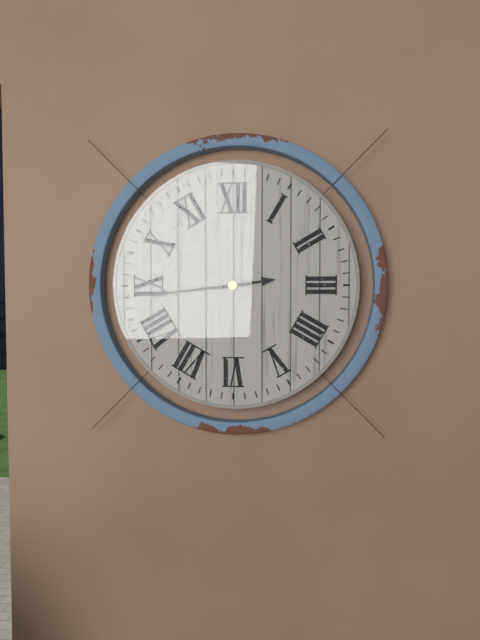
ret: 2:44
